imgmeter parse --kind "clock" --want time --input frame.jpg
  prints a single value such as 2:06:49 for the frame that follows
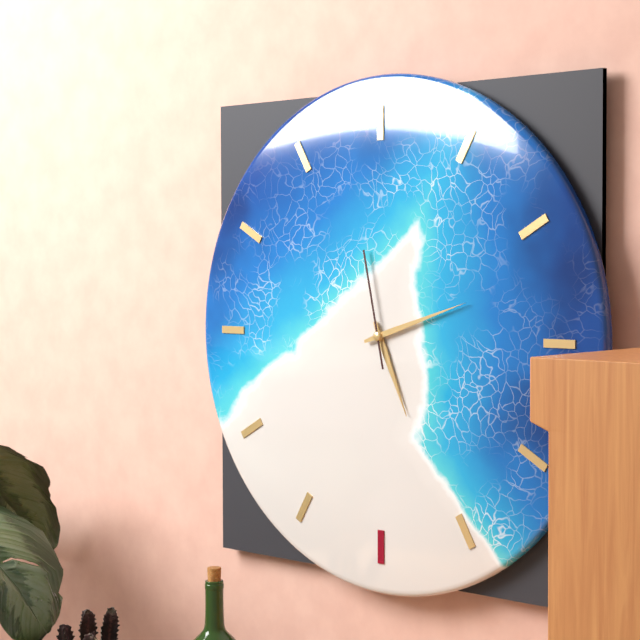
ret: 5:12:58
